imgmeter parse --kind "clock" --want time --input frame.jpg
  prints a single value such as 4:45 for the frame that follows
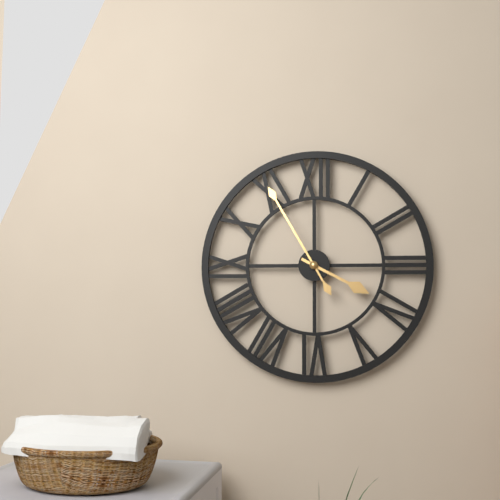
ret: 3:55
